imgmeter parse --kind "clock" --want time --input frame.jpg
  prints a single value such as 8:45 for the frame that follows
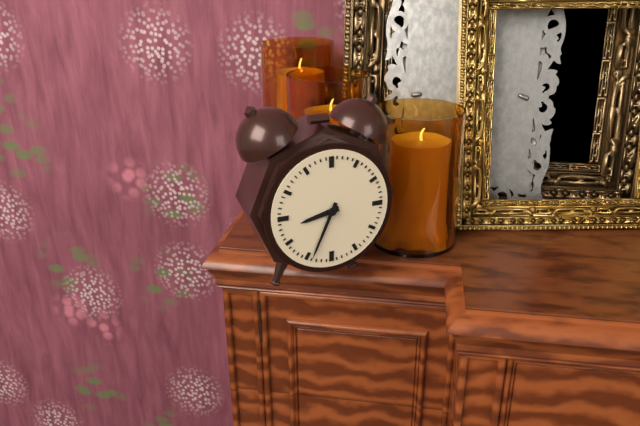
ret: 8:34
